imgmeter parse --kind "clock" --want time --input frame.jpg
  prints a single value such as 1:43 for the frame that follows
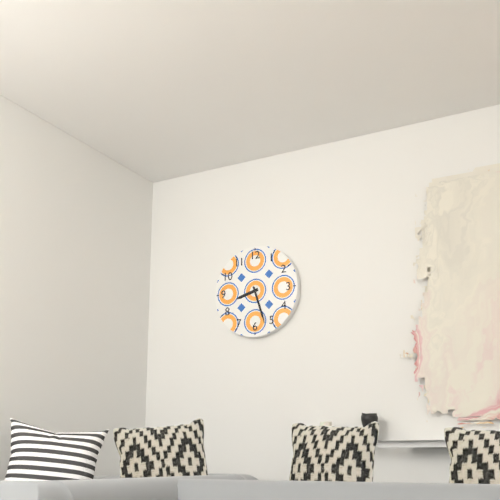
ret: 8:27
